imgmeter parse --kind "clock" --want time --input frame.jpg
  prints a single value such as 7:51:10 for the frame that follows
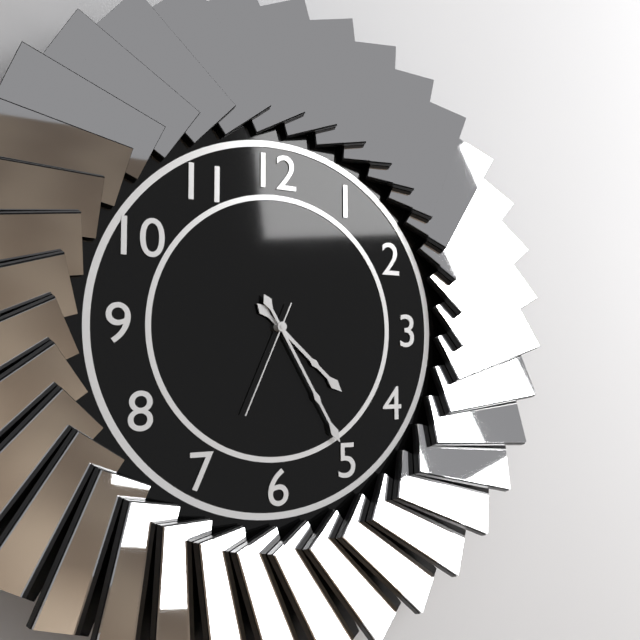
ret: 4:25:34
